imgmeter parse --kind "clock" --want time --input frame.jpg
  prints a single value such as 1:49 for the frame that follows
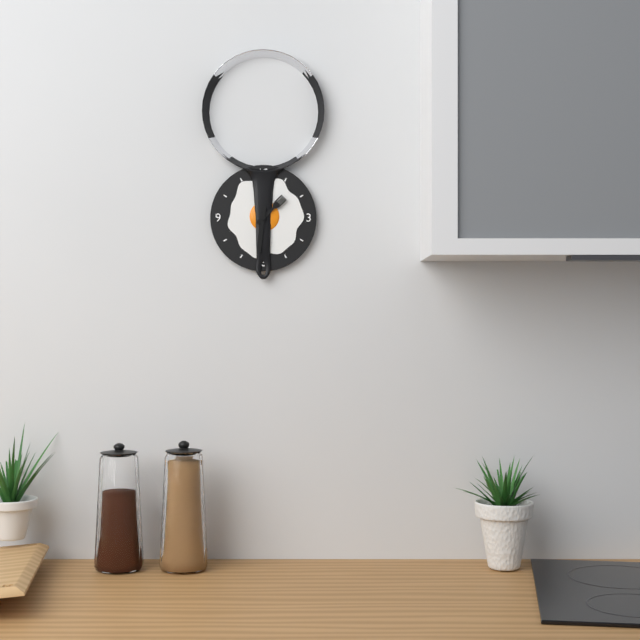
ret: 1:31
